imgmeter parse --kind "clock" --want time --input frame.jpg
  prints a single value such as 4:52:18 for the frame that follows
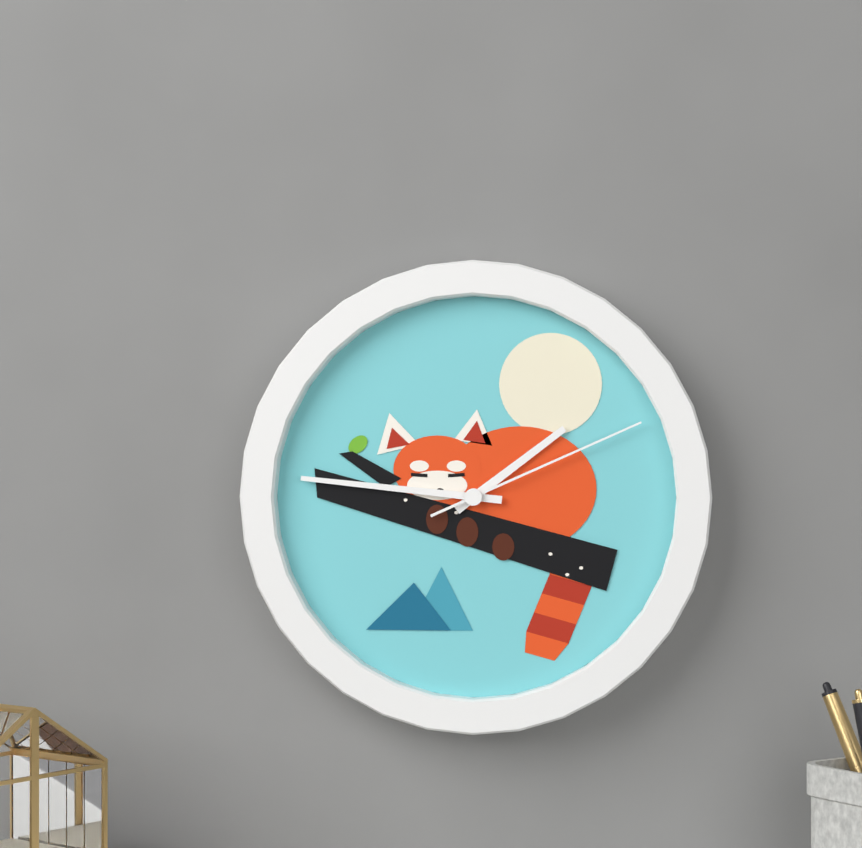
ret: 1:46:11
